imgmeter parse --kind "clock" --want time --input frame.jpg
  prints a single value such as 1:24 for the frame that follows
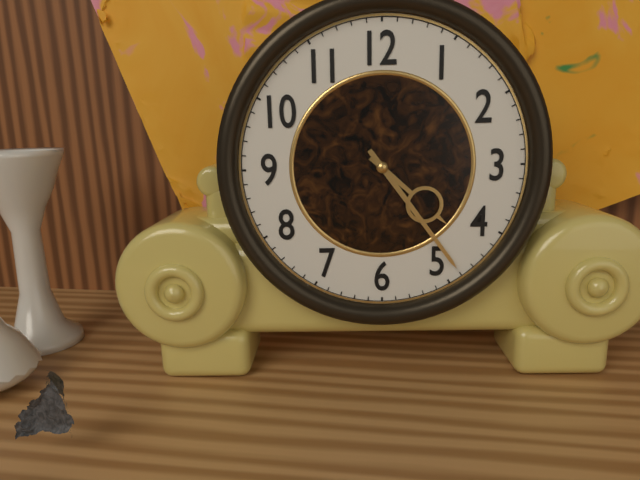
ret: 4:24
